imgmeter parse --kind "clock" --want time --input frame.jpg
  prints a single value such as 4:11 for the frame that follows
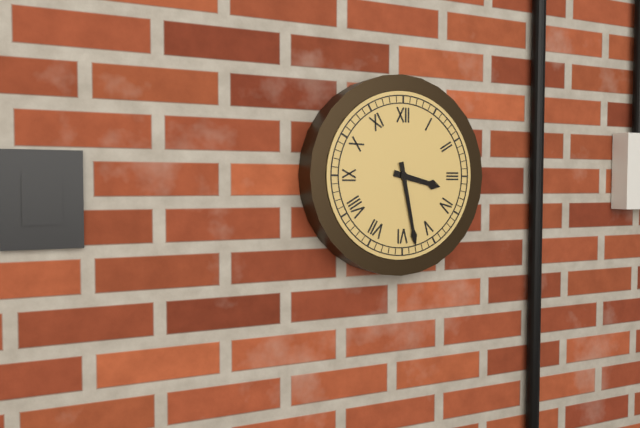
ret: 3:28
